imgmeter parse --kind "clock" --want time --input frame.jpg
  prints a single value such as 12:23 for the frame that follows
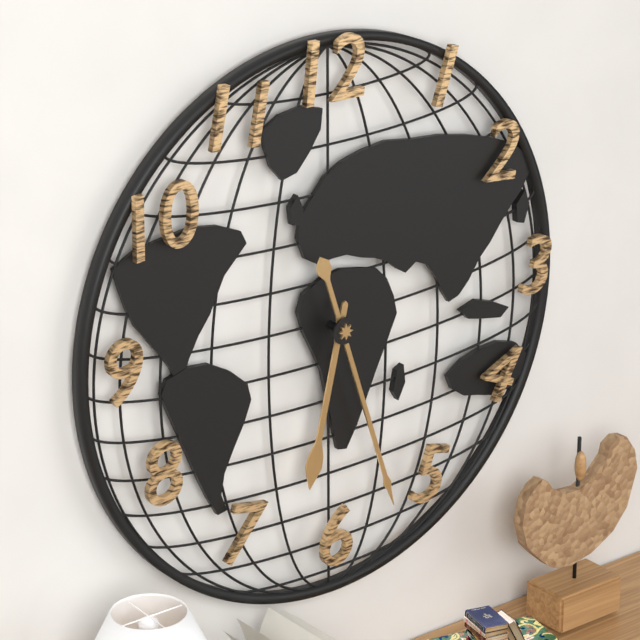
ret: 6:27
